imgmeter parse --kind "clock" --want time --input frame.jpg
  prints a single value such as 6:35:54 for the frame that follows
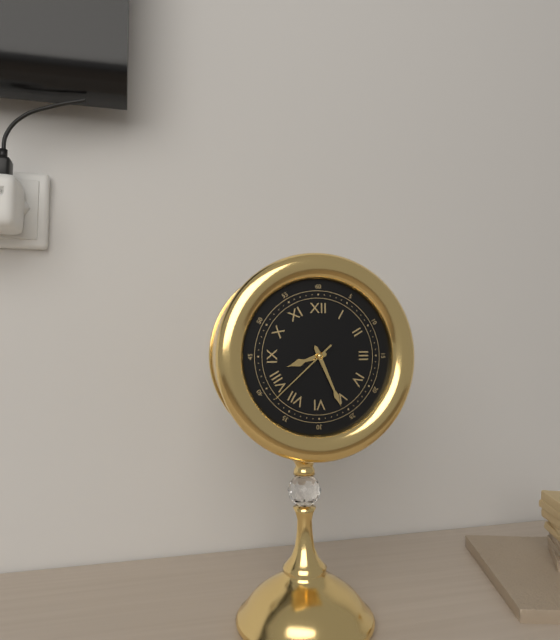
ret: 8:26:38
